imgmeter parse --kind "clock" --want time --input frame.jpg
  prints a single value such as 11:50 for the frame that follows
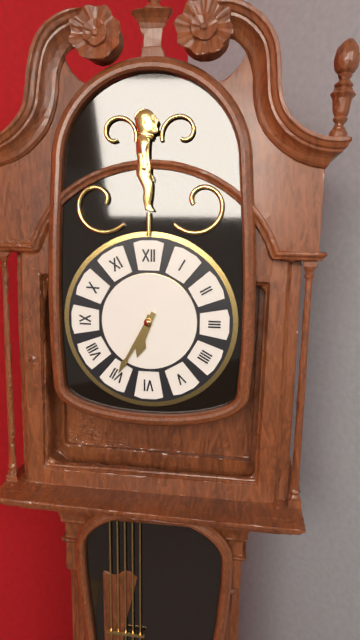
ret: 6:35
